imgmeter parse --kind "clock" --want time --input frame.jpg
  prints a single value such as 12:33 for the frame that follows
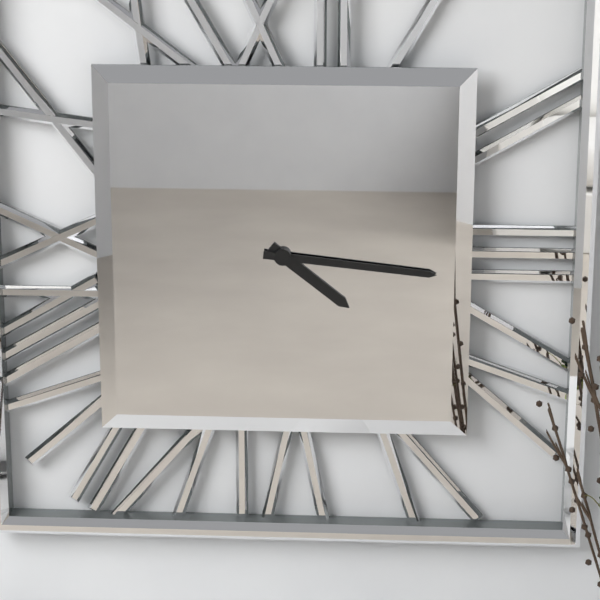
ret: 4:16
